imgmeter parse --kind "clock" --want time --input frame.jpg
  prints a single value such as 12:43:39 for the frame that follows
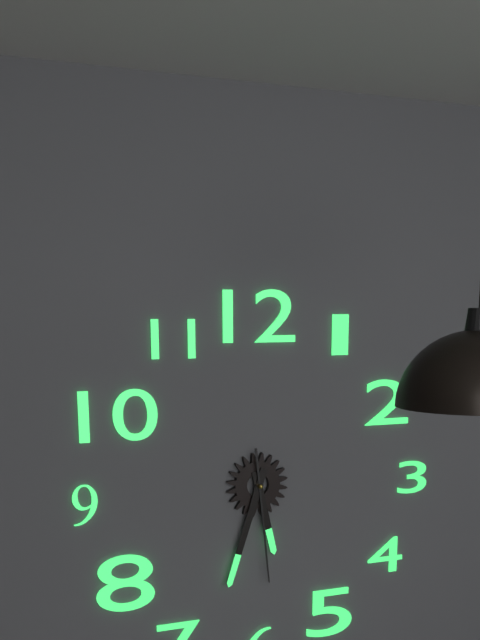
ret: 5:33:29
